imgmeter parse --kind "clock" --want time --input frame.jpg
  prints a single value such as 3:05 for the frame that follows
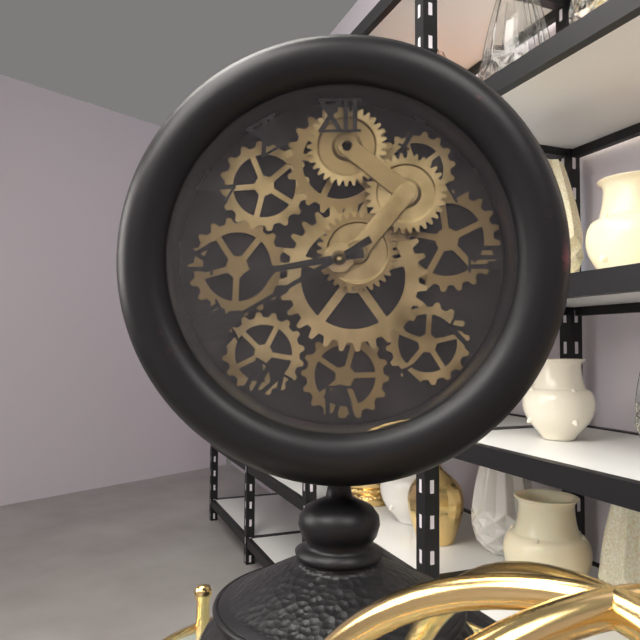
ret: 8:40
